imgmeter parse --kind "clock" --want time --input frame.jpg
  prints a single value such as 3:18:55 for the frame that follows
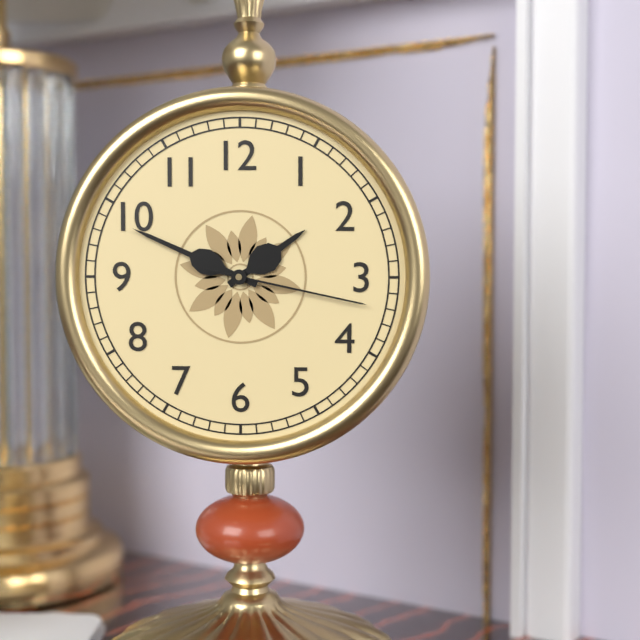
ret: 1:49:17
